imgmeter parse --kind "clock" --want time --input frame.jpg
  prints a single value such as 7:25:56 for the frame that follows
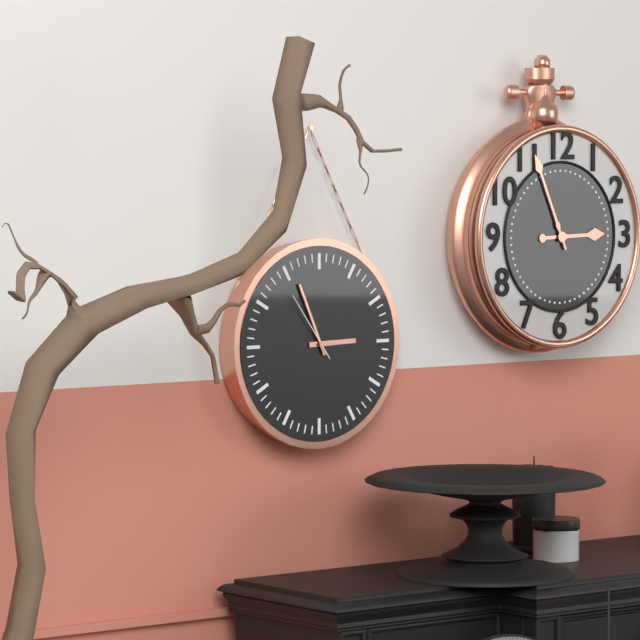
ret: 2:56:54
